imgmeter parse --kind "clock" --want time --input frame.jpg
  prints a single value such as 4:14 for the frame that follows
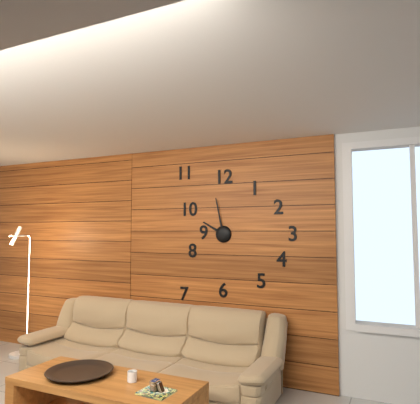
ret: 9:58
